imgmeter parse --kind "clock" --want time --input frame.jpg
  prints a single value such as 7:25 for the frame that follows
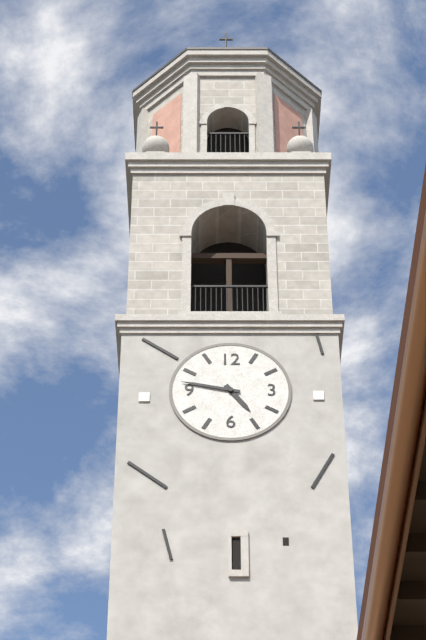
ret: 4:47
